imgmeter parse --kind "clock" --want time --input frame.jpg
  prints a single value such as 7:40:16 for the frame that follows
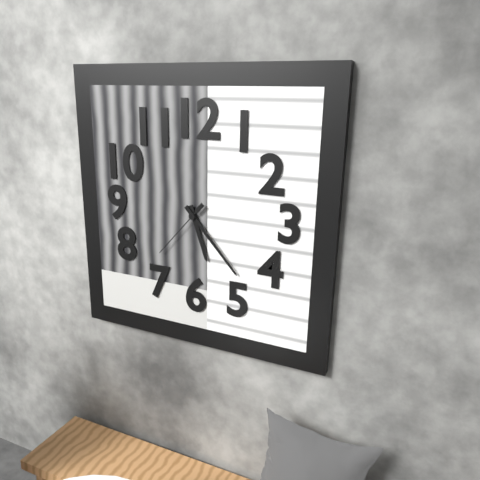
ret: 5:23:37
